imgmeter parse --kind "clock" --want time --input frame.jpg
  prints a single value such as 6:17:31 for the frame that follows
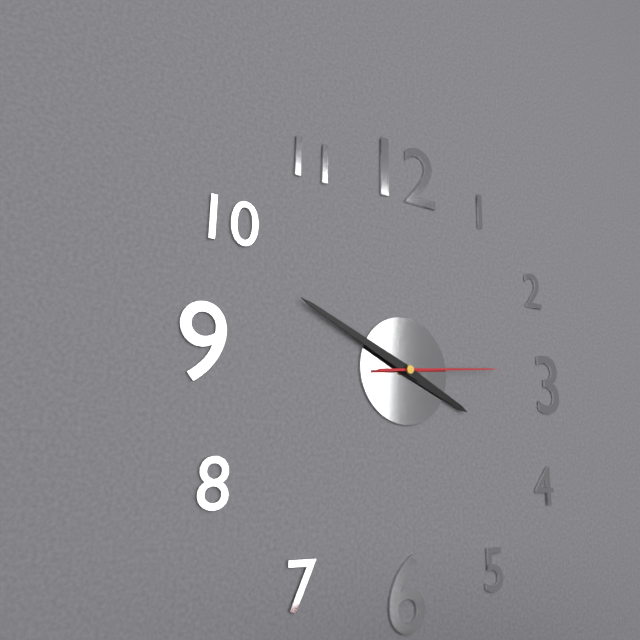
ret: 3:49:14
